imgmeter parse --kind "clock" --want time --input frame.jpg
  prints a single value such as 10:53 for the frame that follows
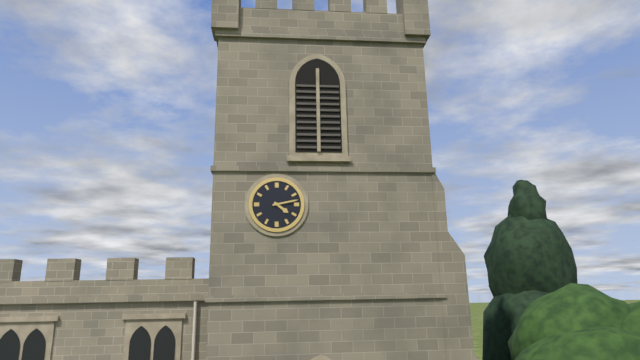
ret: 4:13
